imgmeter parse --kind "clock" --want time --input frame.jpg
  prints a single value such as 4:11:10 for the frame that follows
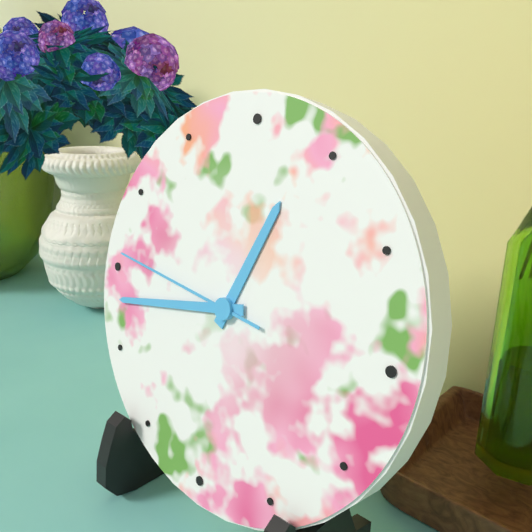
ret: 12:43:46
